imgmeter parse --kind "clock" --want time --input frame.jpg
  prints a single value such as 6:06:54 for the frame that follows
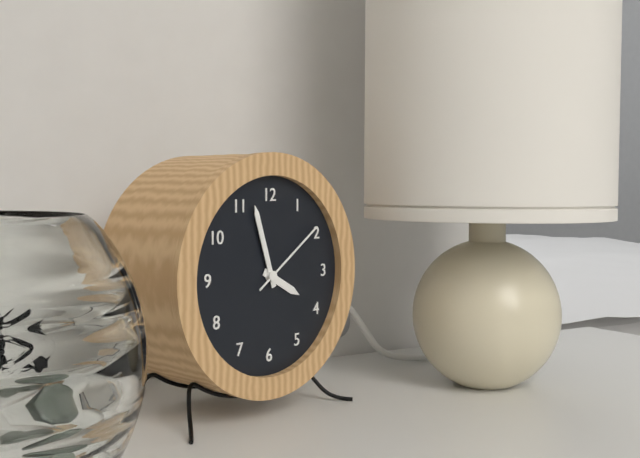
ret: 3:57:09
